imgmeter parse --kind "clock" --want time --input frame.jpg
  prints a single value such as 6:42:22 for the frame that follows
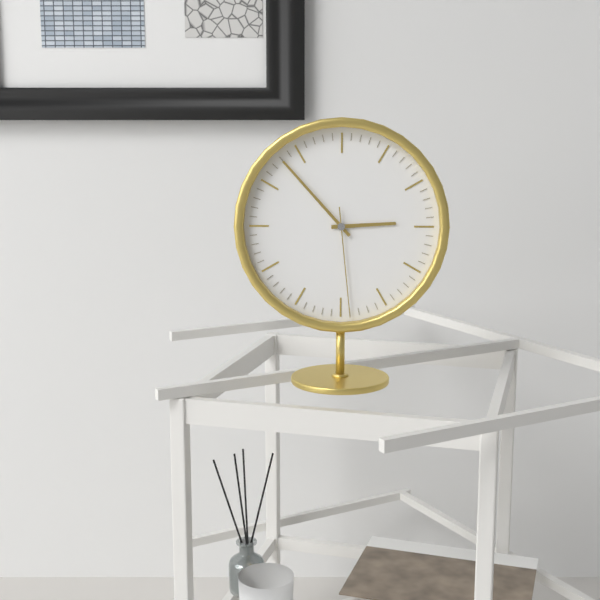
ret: 2:53:29
